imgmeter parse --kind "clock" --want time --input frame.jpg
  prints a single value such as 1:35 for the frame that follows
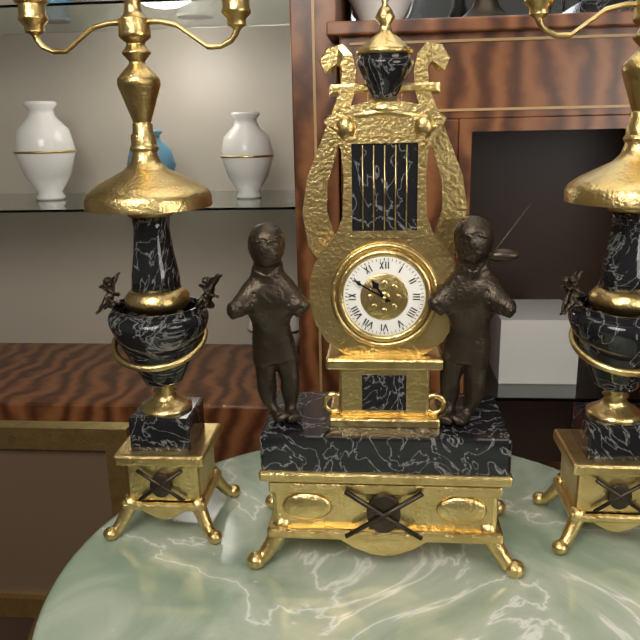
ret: 10:50
